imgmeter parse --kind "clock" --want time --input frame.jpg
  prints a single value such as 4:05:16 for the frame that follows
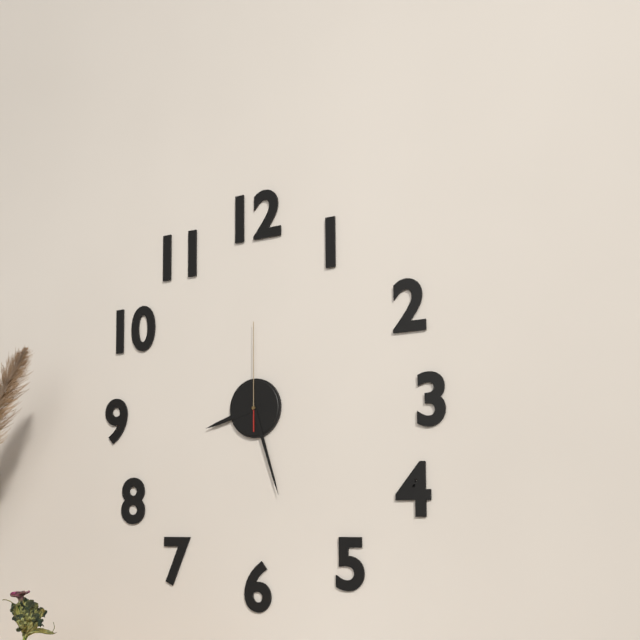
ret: 8:27:00
